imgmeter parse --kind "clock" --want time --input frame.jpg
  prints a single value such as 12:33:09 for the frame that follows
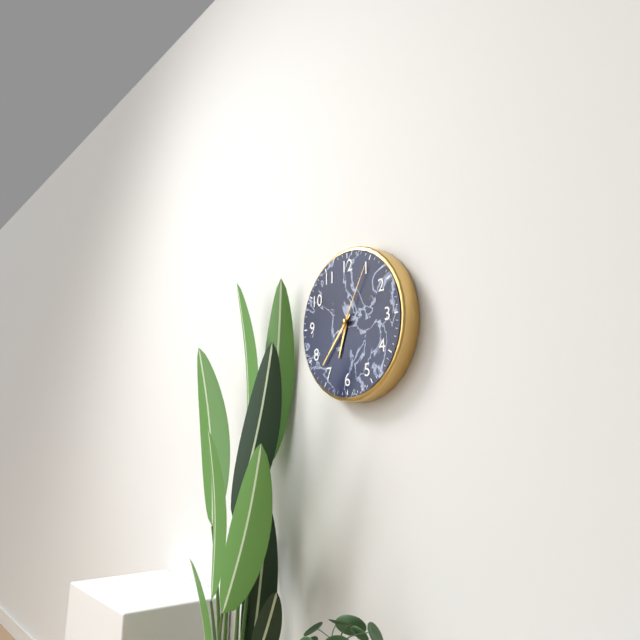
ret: 6:37:05
